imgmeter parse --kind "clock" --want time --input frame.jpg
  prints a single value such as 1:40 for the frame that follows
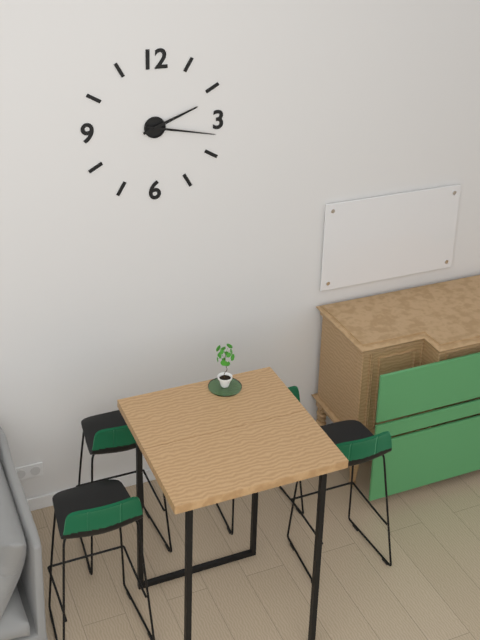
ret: 2:17
